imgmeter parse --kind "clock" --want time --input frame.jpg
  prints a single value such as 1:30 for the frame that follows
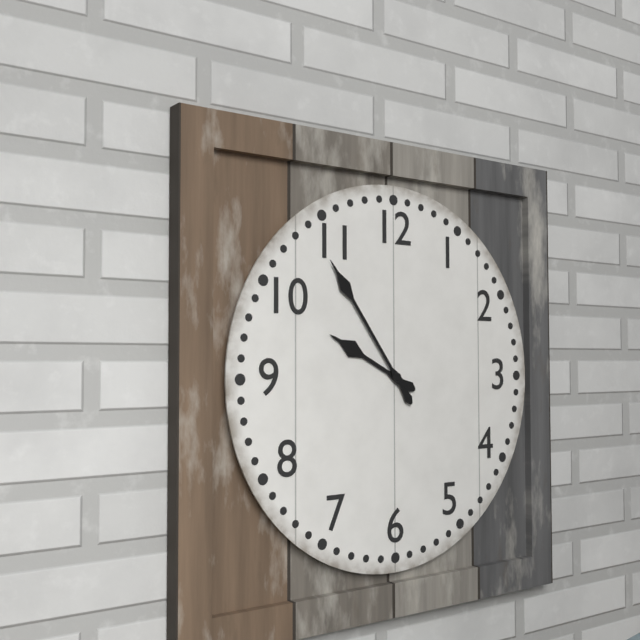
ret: 9:54
